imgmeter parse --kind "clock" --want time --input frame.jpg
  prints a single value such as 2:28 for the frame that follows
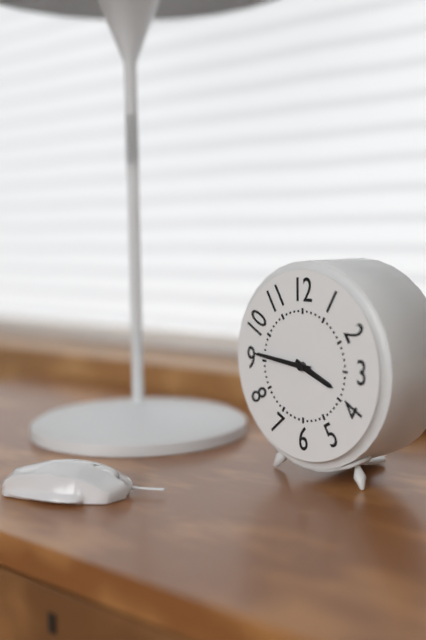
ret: 3:46
